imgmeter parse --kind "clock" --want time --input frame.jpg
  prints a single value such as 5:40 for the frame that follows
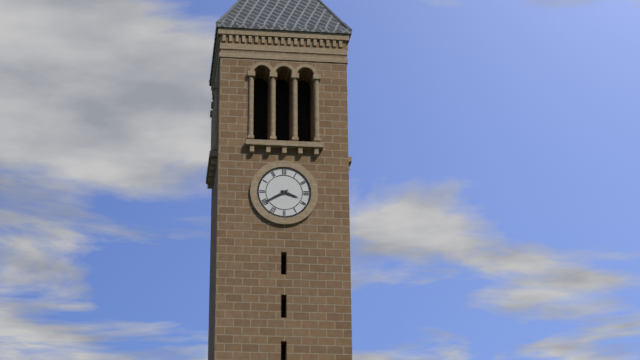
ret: 3:40
